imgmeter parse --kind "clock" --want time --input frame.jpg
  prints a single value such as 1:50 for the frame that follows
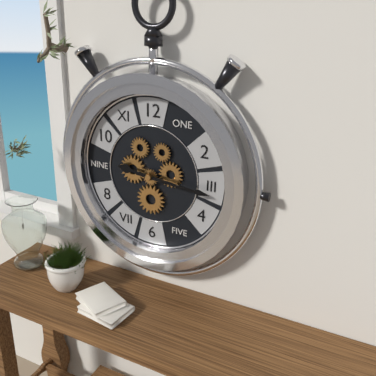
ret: 9:16
